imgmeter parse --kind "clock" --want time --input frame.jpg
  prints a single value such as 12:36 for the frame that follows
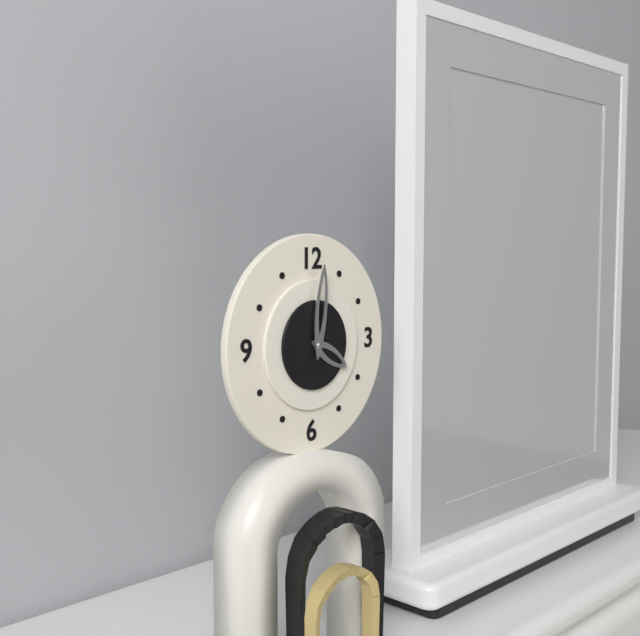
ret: 4:01
